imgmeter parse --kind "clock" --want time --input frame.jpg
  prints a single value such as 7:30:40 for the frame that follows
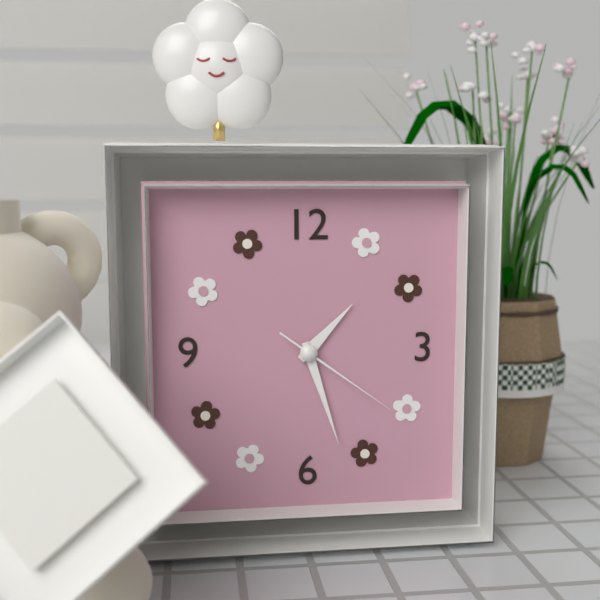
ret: 1:27:21
